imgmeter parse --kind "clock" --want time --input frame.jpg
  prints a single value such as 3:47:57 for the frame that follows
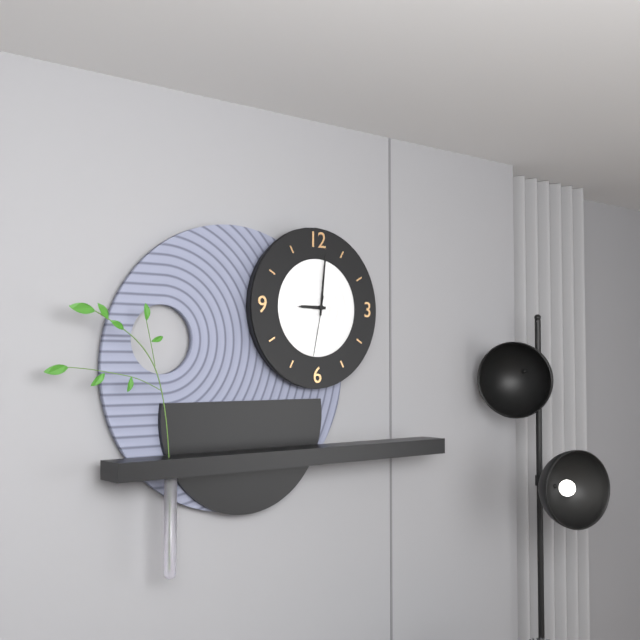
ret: 9:01:32
